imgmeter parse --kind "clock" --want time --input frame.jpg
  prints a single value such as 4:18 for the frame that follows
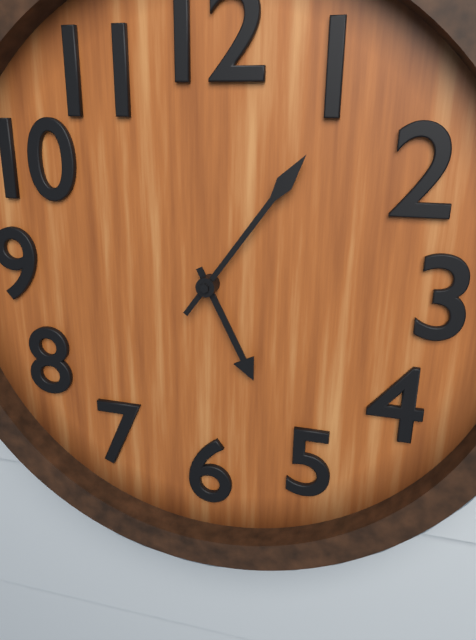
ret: 5:06
